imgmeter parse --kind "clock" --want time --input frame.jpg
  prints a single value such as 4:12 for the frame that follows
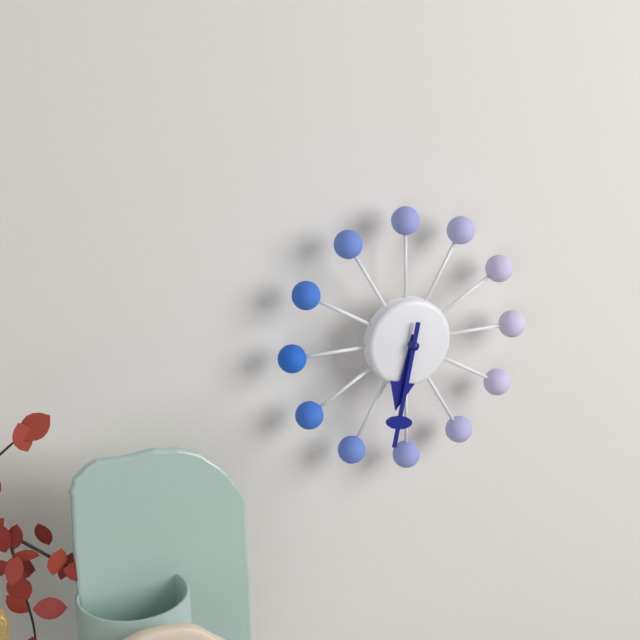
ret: 6:32
